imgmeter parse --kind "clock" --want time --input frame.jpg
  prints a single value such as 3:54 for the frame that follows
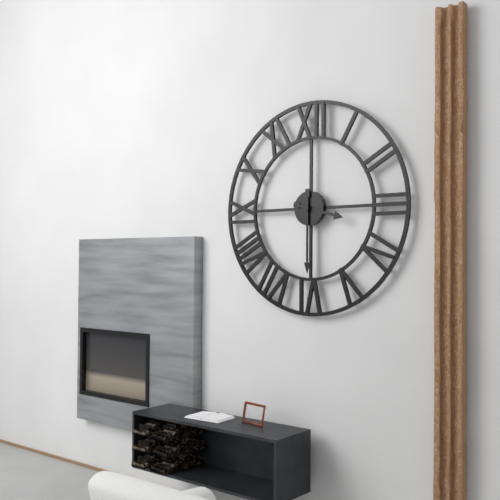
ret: 3:30
